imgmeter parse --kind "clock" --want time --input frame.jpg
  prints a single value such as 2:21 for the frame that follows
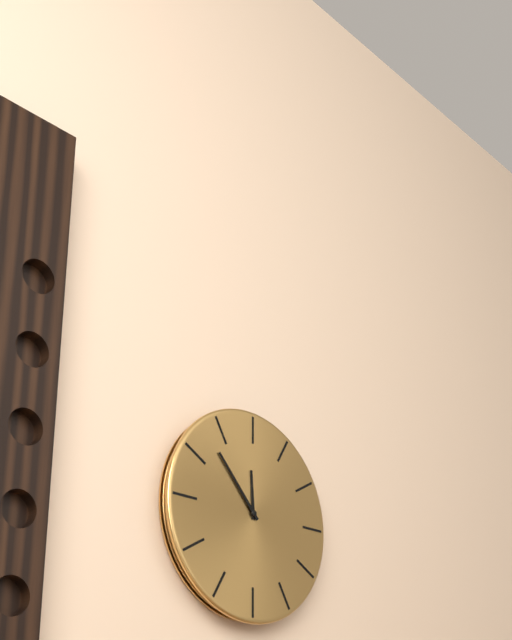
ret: 11:53
